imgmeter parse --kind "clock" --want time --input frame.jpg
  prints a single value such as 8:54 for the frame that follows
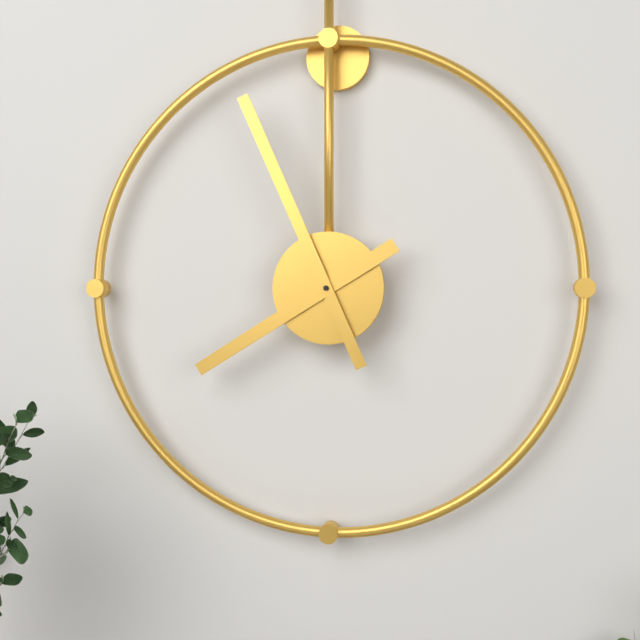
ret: 7:56
